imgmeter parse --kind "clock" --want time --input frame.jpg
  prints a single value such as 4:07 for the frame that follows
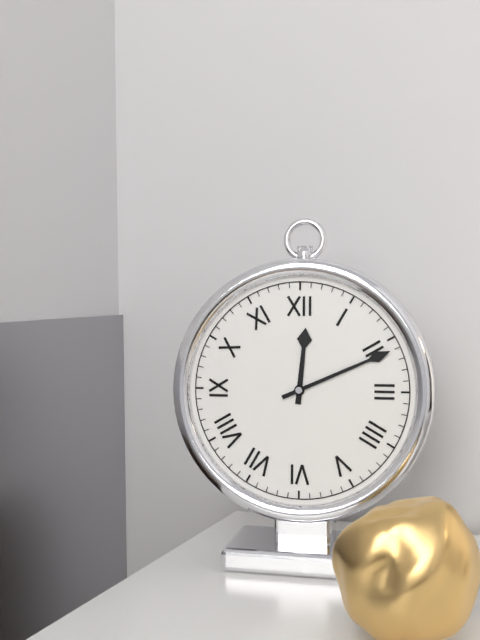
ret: 12:11
